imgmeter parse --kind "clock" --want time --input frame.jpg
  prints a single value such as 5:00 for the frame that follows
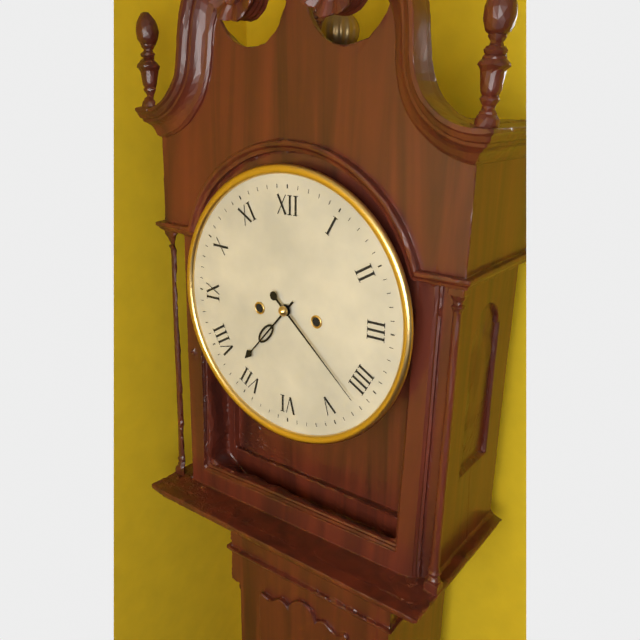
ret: 7:22
